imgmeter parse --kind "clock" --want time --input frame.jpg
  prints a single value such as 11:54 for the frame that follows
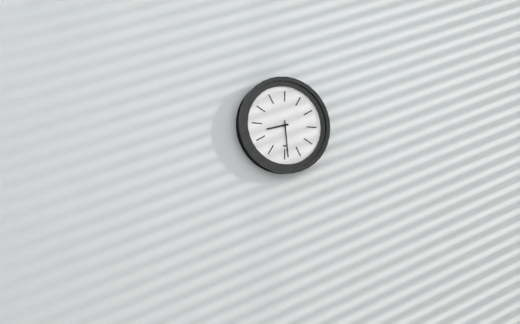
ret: 8:29
